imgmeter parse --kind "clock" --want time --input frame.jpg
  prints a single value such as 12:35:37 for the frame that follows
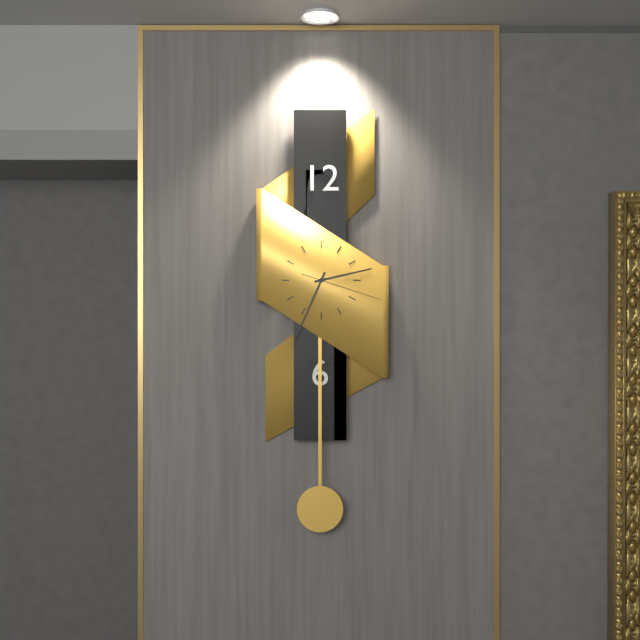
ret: 2:34:18
